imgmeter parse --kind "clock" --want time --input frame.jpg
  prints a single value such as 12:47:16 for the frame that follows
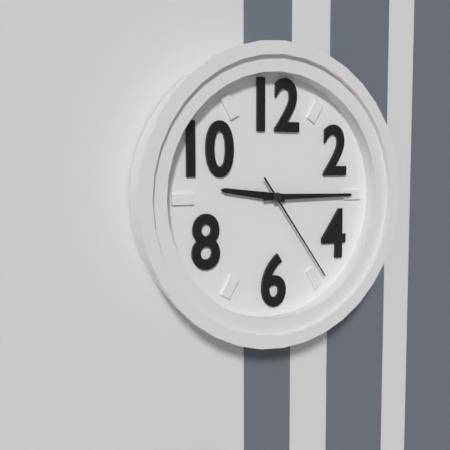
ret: 9:15:24
